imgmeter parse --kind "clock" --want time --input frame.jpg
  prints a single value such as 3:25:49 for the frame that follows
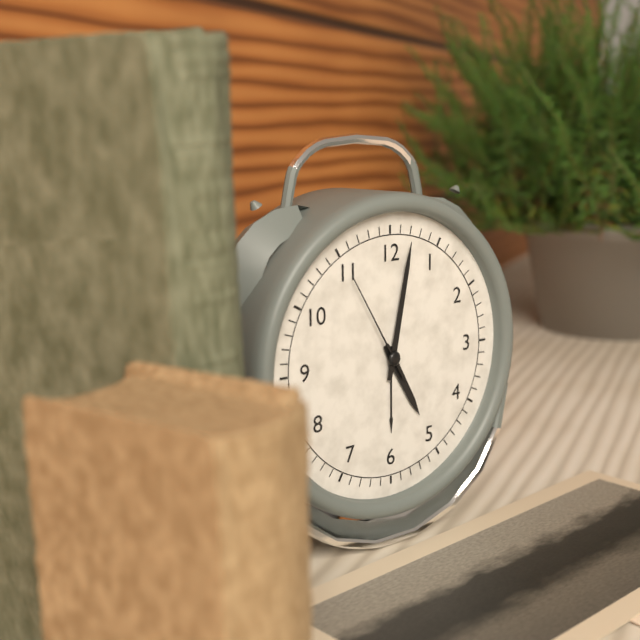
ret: 5:02:55
